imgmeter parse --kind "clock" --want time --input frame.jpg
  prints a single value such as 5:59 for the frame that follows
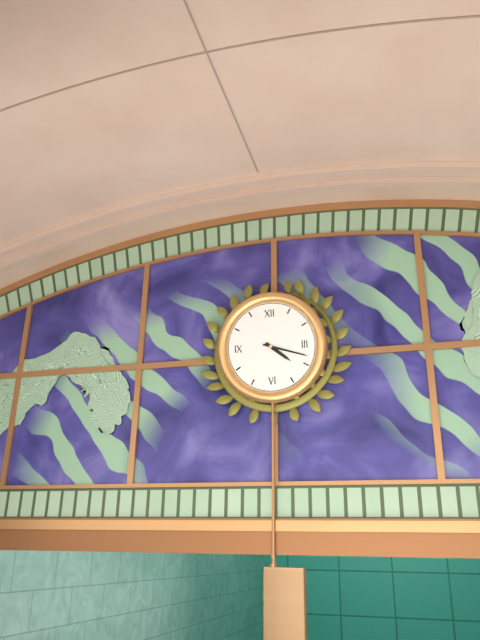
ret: 4:18
